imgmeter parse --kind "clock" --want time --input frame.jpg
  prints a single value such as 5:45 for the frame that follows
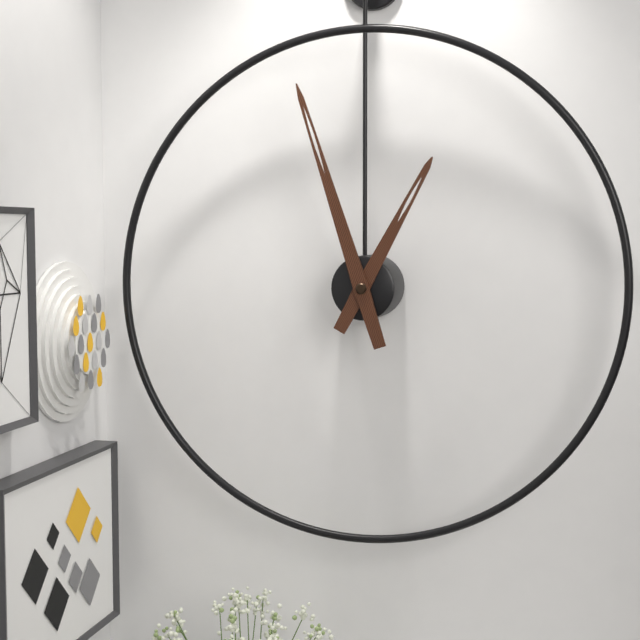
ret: 12:57
